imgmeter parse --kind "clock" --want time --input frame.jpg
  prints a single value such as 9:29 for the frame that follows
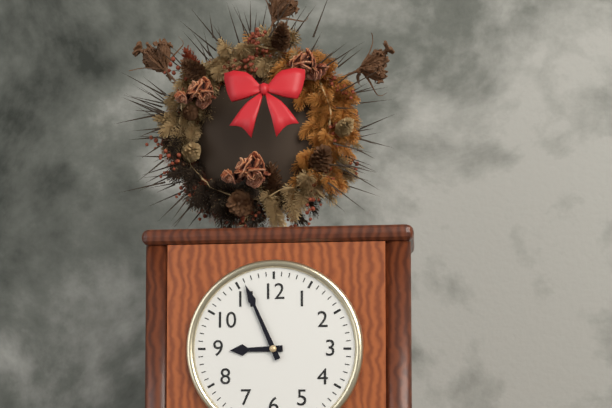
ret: 8:56
